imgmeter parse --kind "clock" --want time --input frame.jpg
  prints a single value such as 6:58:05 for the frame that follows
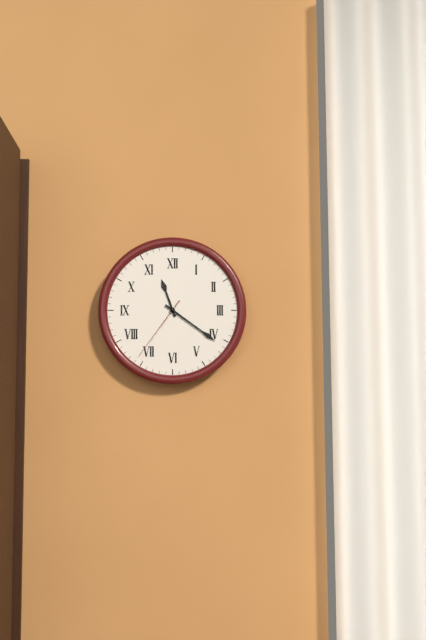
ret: 11:21:36
